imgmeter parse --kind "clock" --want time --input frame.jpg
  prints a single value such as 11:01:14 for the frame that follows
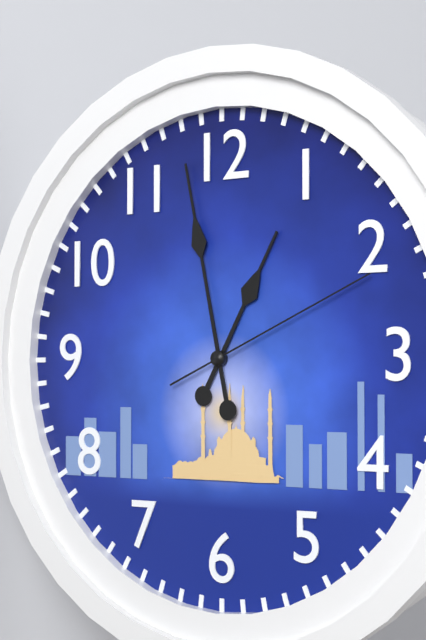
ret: 12:58:11
